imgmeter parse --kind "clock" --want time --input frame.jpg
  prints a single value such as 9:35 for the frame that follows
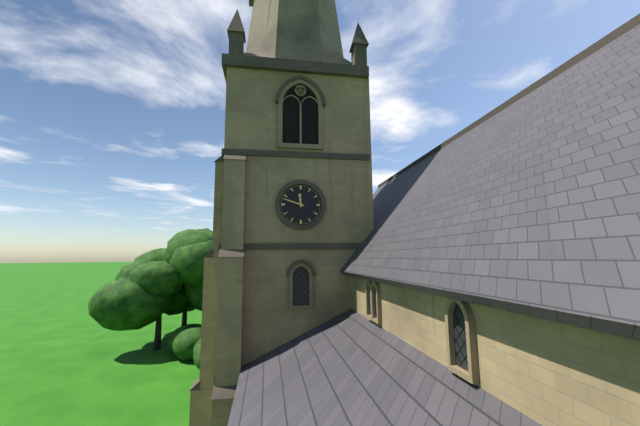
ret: 11:48
